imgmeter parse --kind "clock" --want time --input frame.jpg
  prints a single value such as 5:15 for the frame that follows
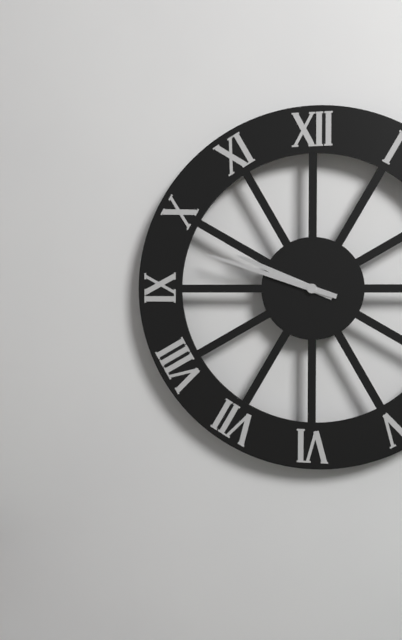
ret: 9:48
